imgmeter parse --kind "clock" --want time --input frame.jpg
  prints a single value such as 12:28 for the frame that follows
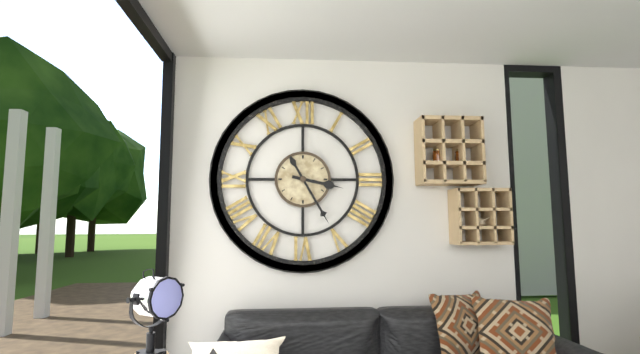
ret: 3:25
